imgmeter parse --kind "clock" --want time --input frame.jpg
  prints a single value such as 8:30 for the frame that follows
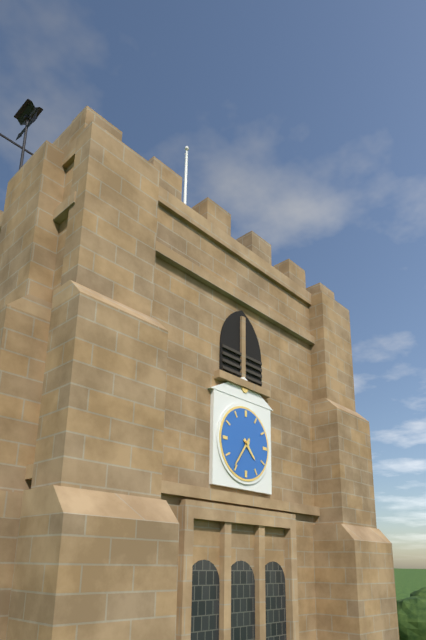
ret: 4:36
